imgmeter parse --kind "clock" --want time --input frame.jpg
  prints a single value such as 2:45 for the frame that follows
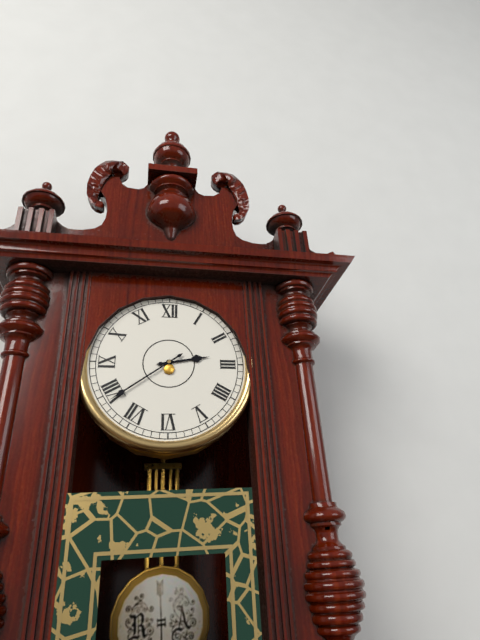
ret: 2:39
